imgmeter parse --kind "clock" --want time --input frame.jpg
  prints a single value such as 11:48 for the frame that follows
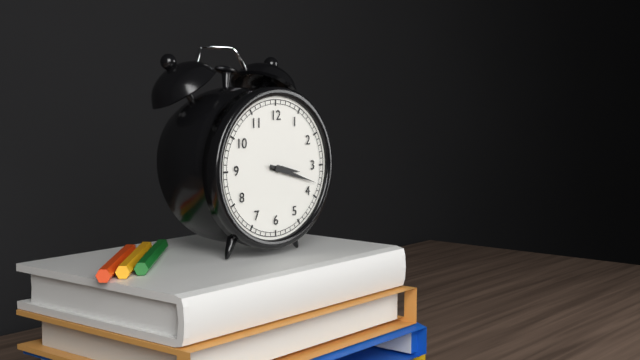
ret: 3:18
